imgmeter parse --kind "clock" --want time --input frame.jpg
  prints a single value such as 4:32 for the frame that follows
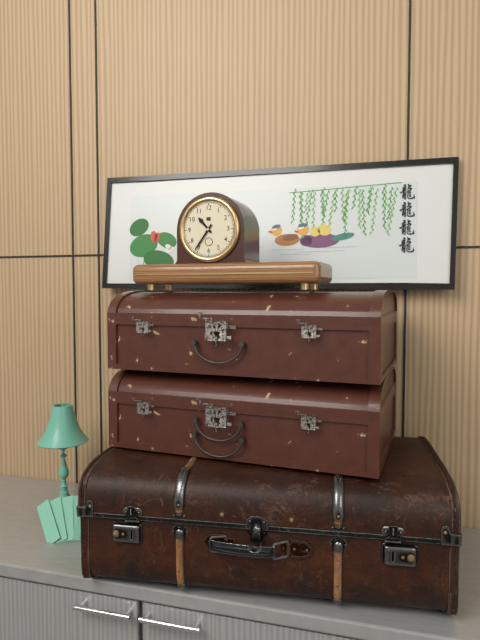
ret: 10:36
